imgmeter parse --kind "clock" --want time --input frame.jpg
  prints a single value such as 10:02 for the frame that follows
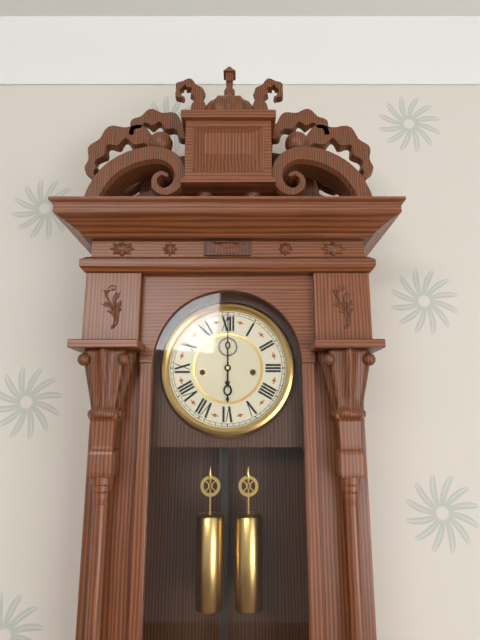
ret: 6:00
